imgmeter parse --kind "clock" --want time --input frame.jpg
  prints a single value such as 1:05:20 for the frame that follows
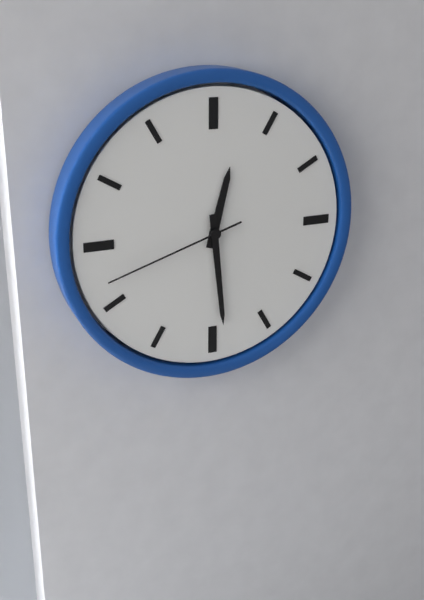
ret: 12:29:42
